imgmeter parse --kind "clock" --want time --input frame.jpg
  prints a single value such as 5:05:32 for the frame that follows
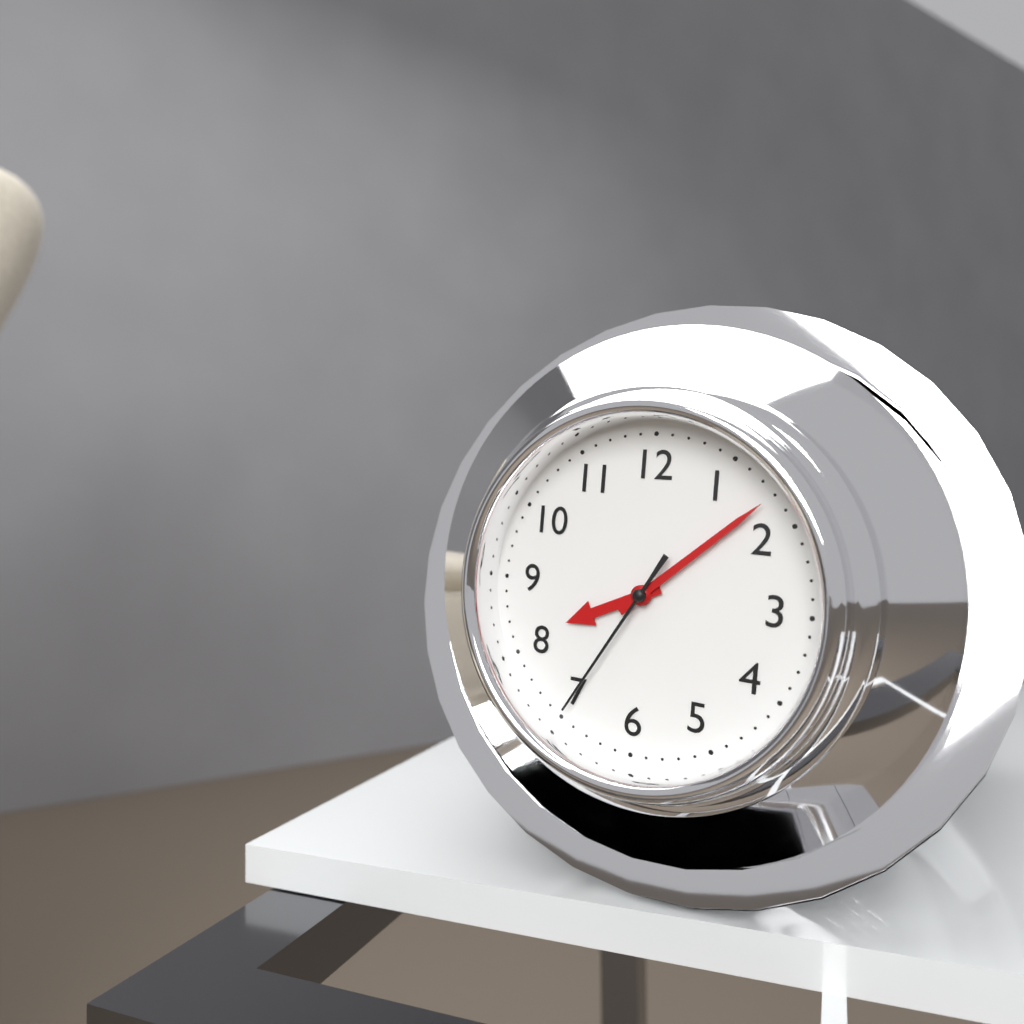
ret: 8:08:35
